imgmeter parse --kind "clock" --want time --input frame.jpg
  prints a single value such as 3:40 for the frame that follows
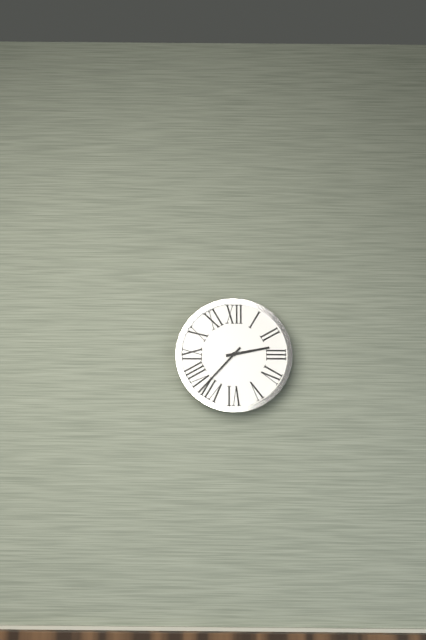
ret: 2:37
